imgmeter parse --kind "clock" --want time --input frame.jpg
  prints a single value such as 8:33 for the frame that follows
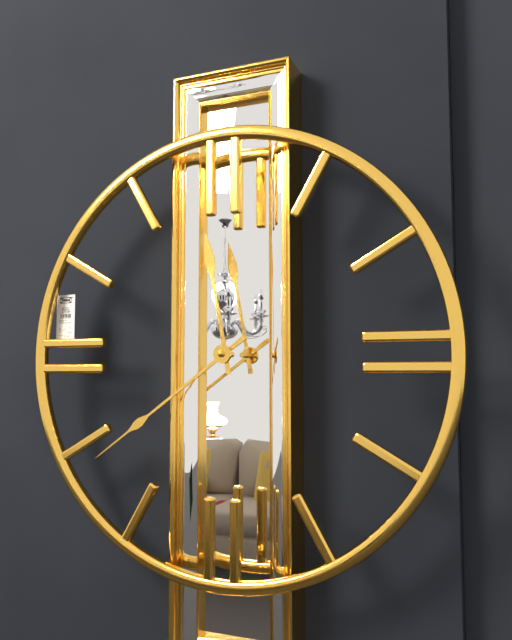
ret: 11:39
